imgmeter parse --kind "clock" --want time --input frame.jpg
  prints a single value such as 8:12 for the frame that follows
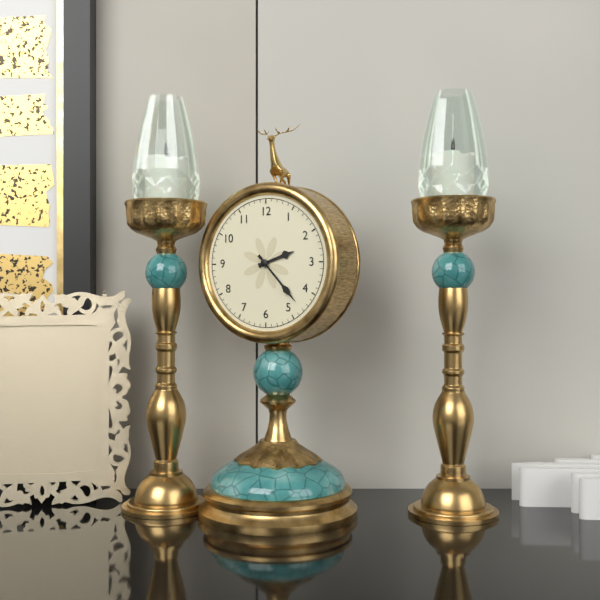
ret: 2:23
